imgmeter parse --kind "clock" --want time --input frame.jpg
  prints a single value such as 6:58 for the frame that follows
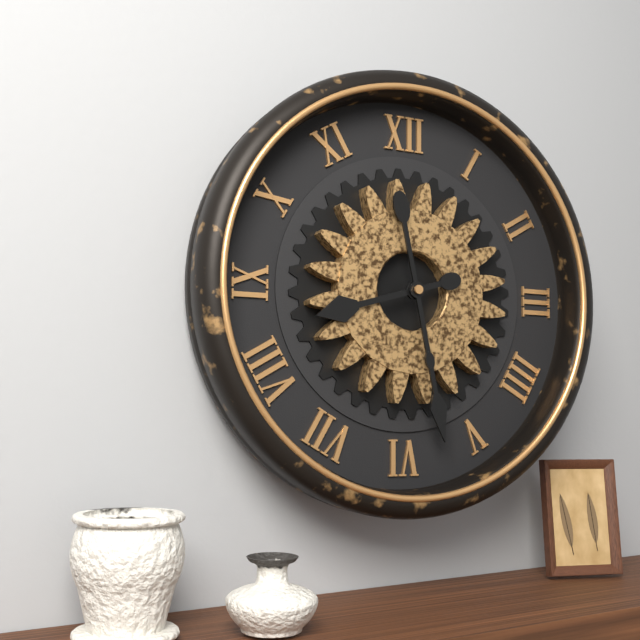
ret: 8:28
